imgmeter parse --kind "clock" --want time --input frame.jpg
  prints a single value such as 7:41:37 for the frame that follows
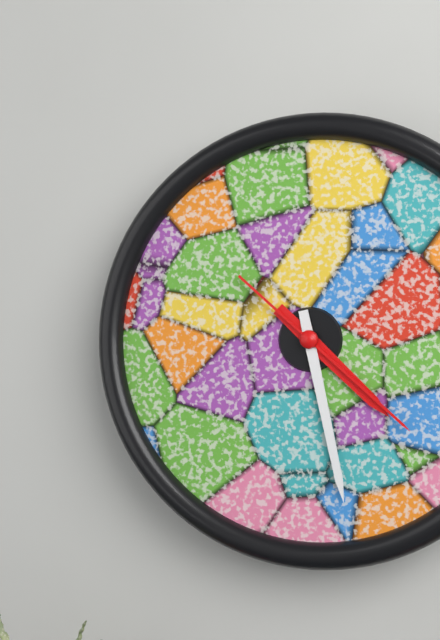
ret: 4:28:22
